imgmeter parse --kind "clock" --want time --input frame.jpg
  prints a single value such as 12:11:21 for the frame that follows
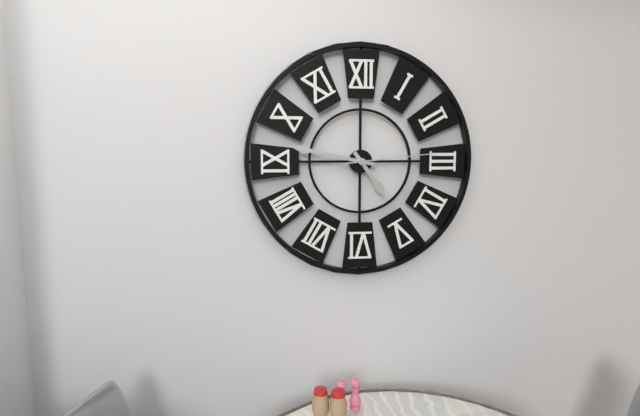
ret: 4:47:14
